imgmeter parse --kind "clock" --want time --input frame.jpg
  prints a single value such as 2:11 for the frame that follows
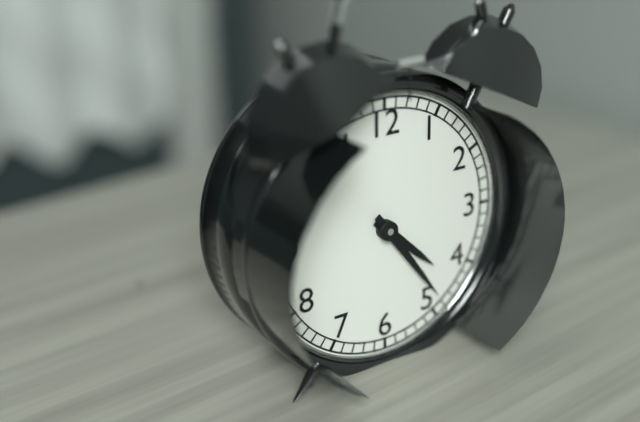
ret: 4:24
